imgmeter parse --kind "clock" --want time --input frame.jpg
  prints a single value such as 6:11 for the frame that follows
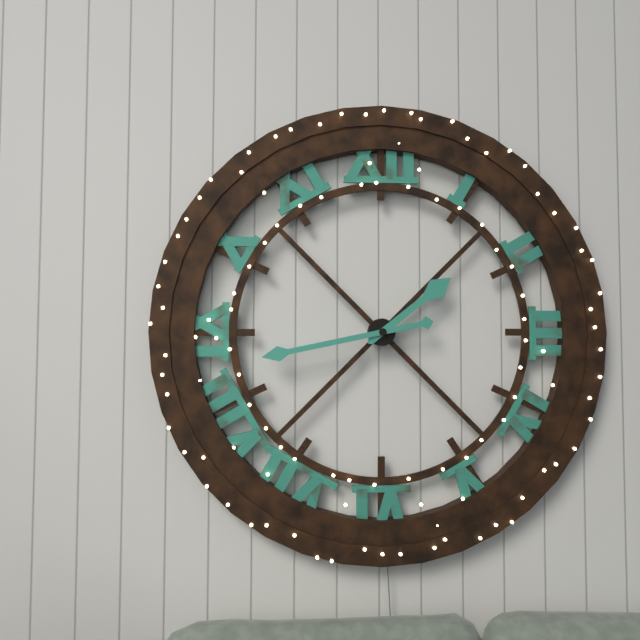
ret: 1:43
